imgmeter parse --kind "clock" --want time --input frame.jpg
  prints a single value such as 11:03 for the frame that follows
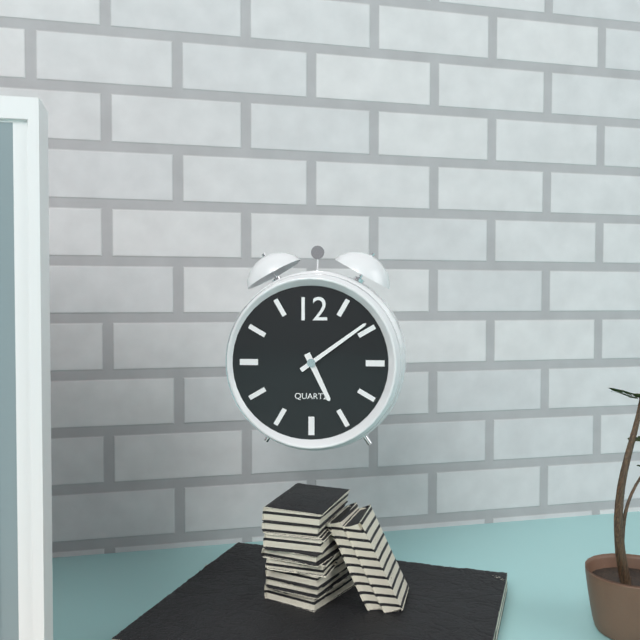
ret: 5:09
